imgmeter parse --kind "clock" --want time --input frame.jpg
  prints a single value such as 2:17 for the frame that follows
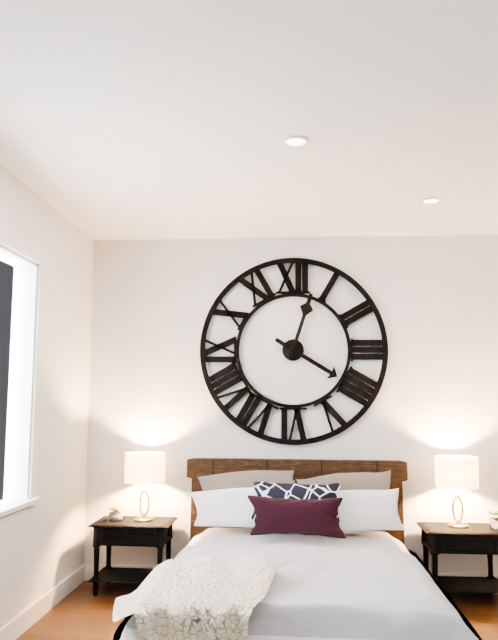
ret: 4:03
